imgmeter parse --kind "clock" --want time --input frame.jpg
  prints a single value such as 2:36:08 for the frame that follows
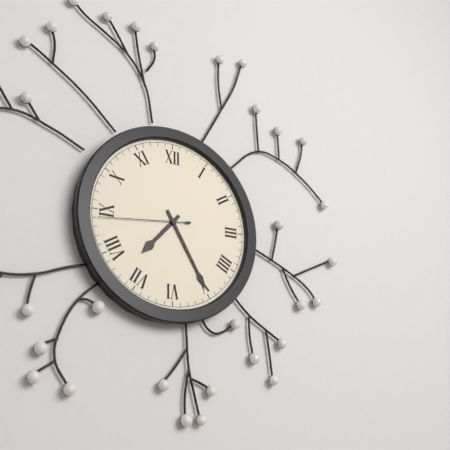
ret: 7:25:44
